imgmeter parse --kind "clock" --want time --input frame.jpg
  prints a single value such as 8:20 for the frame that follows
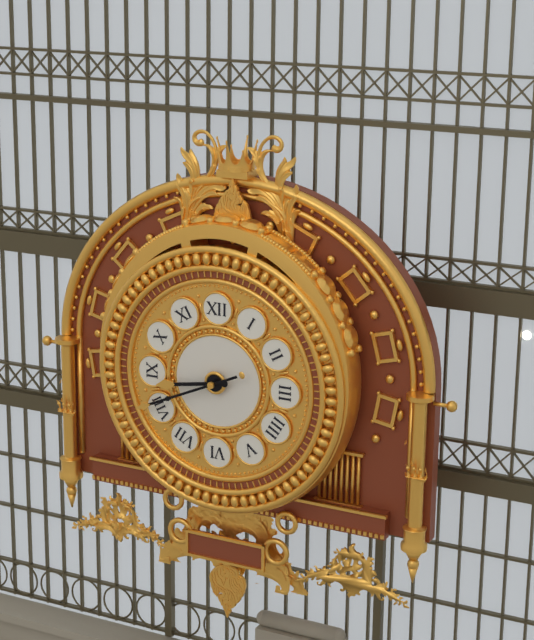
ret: 8:41
